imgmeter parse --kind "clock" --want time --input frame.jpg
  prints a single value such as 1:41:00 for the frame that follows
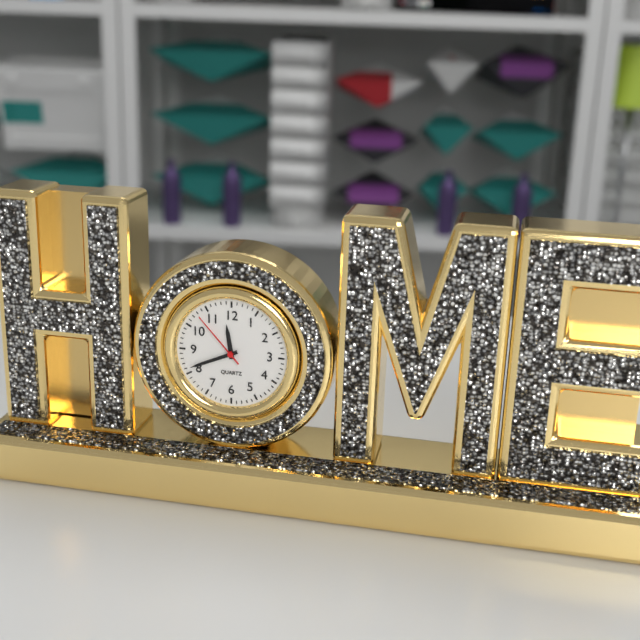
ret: 11:41:53
